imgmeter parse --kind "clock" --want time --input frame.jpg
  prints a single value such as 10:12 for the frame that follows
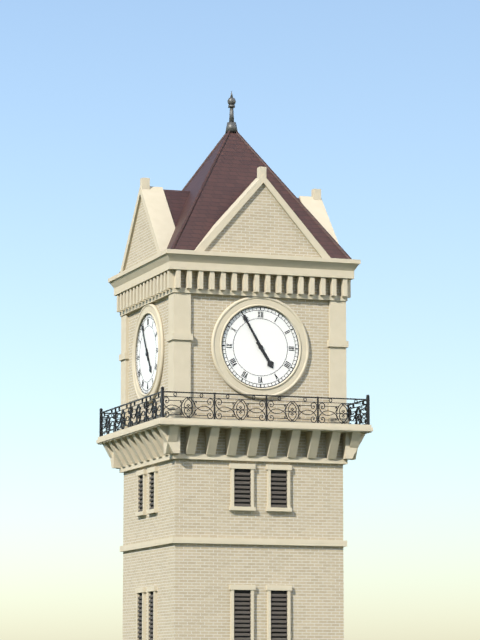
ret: 4:55
